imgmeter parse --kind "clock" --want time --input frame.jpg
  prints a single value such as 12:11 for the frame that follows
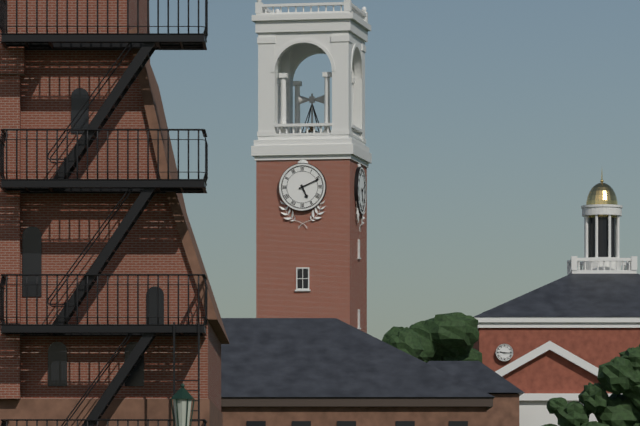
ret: 5:11
